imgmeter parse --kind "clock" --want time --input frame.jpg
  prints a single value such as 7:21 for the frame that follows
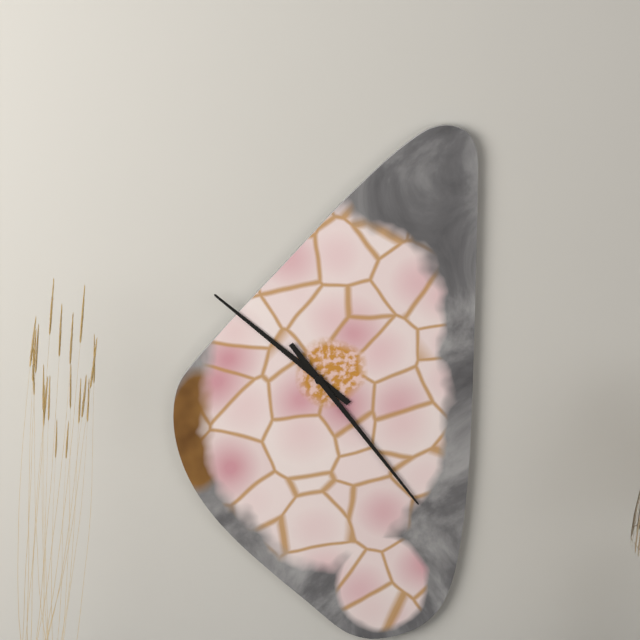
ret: 10:24
